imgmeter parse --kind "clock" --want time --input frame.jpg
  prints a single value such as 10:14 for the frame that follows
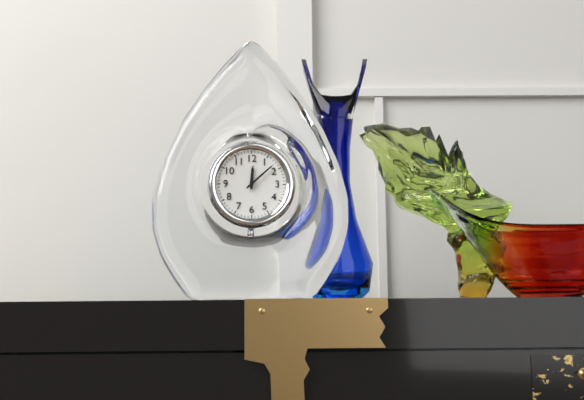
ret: 12:08
